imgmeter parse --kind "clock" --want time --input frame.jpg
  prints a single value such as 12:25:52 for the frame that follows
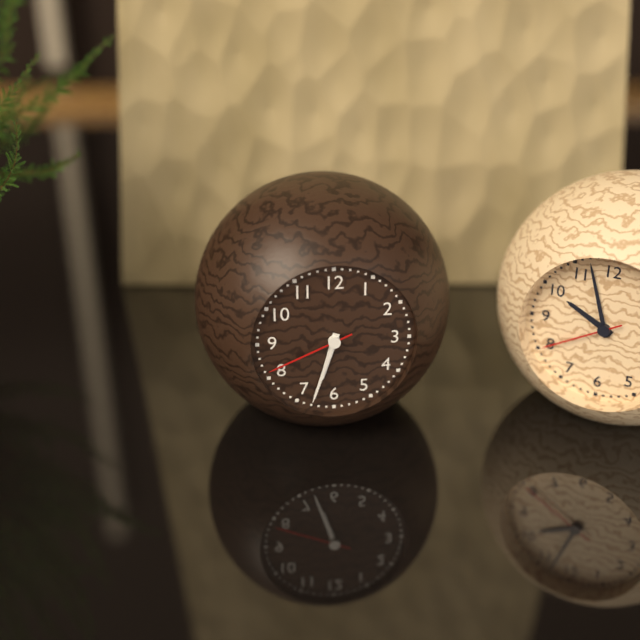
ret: 6:33:41
